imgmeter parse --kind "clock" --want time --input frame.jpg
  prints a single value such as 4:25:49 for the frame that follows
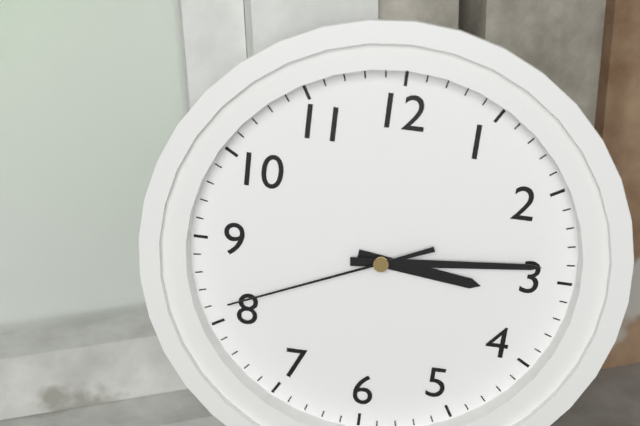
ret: 3:14:41
